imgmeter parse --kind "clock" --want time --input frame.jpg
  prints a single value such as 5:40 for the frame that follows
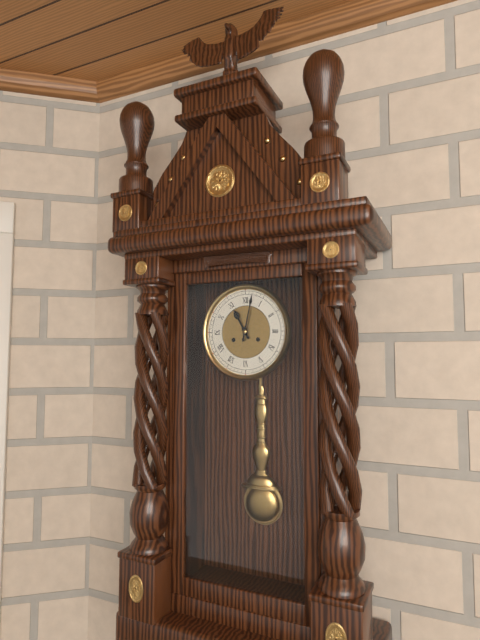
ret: 11:02
